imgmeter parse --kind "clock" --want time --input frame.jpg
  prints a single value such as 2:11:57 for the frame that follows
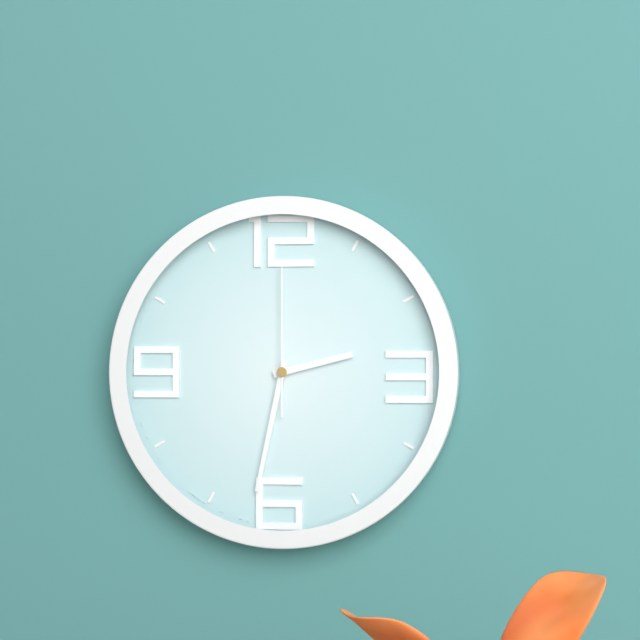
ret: 2:32:00
